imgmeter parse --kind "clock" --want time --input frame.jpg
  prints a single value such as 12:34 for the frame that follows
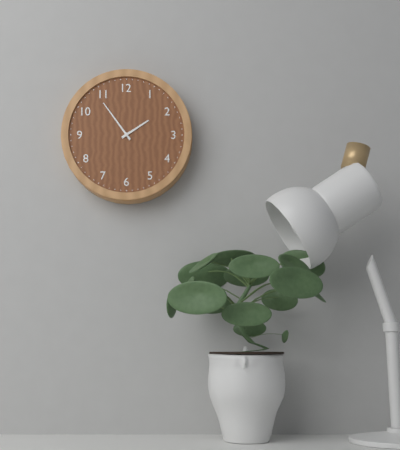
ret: 1:54
